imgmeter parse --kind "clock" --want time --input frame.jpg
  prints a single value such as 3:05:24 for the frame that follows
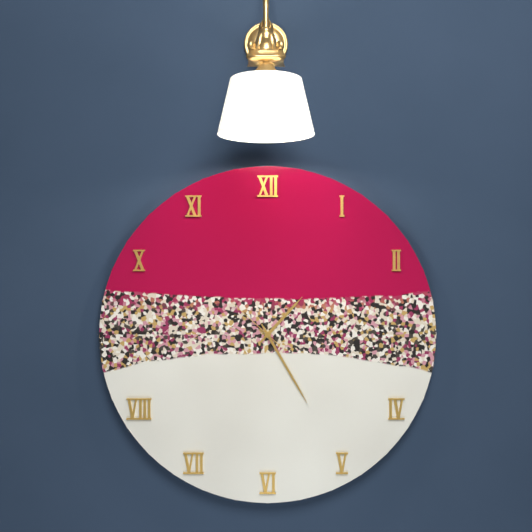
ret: 1:25:52
